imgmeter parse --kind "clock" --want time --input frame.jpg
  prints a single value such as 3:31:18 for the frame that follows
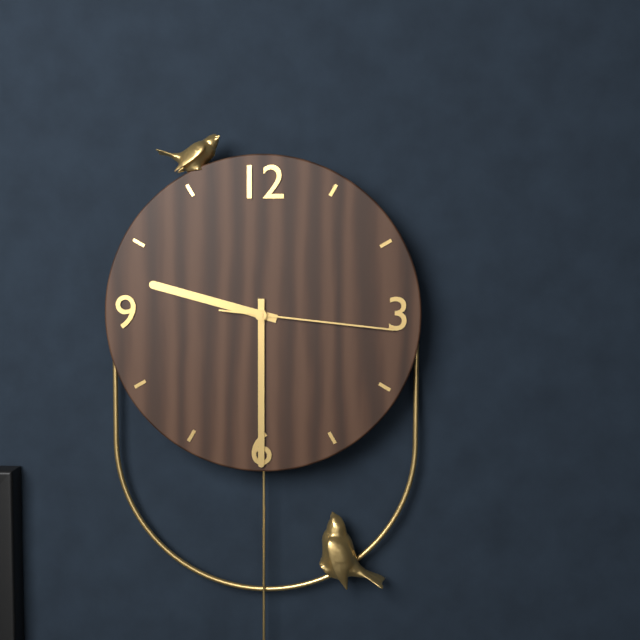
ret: 9:30:16
